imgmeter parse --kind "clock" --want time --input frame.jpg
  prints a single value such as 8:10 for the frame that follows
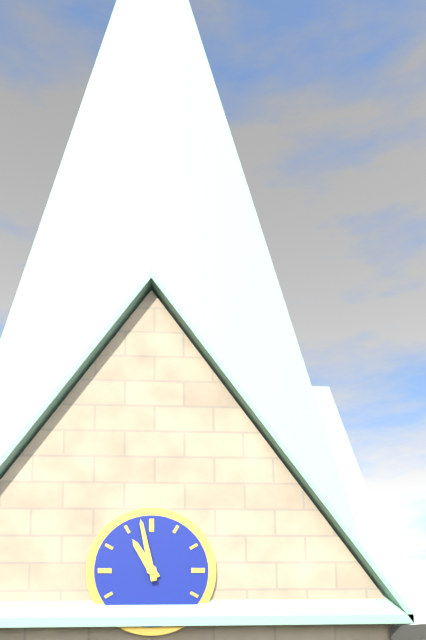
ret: 10:58
